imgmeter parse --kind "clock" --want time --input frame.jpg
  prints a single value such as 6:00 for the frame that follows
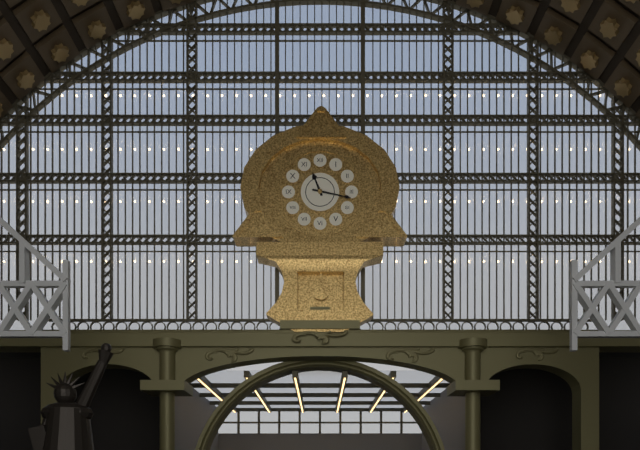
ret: 11:17
